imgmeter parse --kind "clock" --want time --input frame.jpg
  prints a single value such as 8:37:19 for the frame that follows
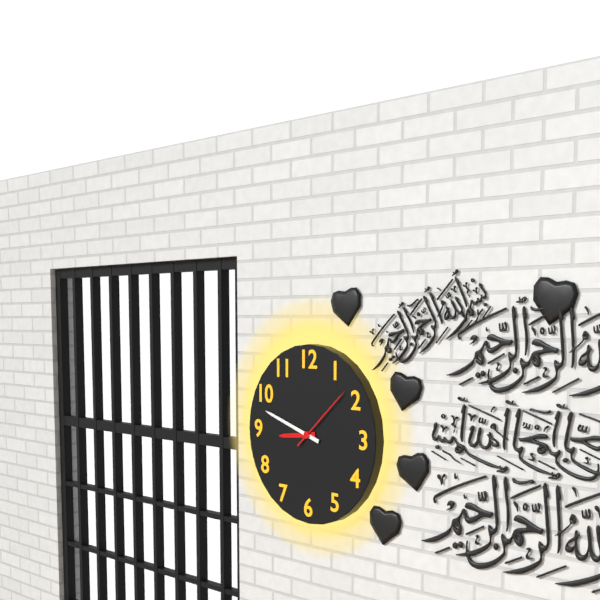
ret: 8:48:08
